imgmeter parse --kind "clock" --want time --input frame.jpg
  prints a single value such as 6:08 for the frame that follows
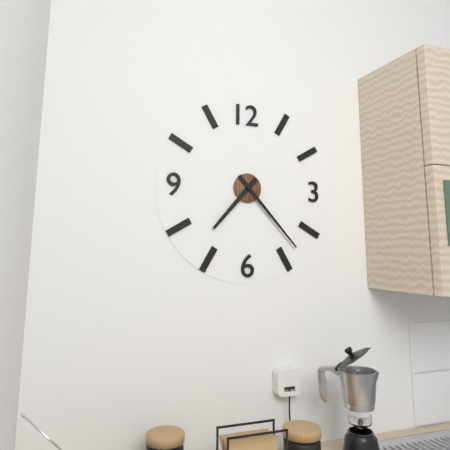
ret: 7:23
